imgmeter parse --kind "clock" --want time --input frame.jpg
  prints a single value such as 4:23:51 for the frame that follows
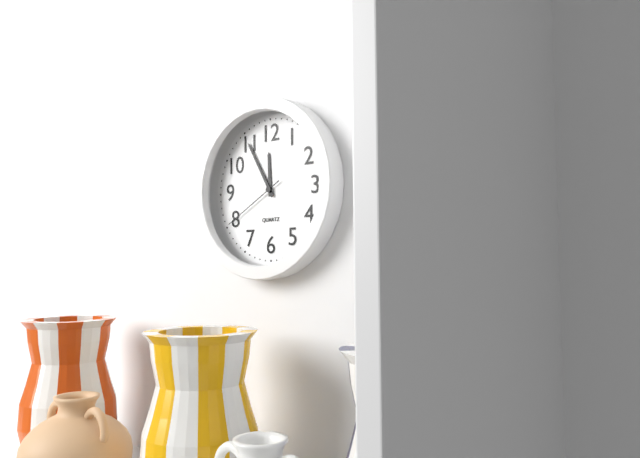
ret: 11:55:40
